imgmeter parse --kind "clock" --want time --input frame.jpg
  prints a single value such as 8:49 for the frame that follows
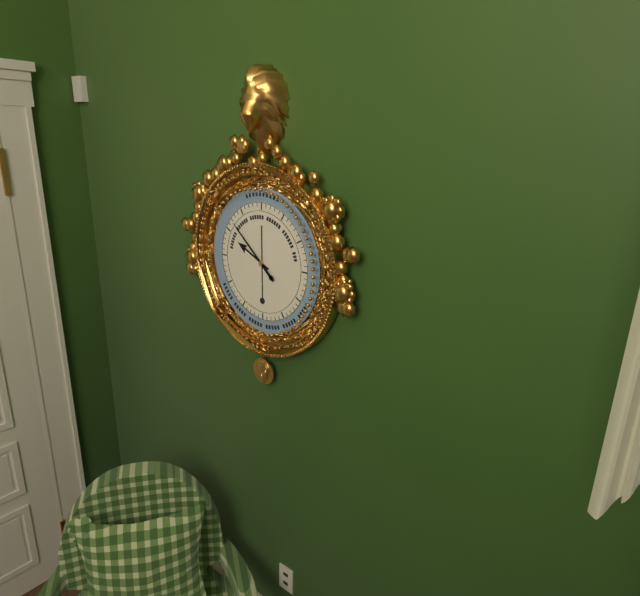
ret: 9:52
